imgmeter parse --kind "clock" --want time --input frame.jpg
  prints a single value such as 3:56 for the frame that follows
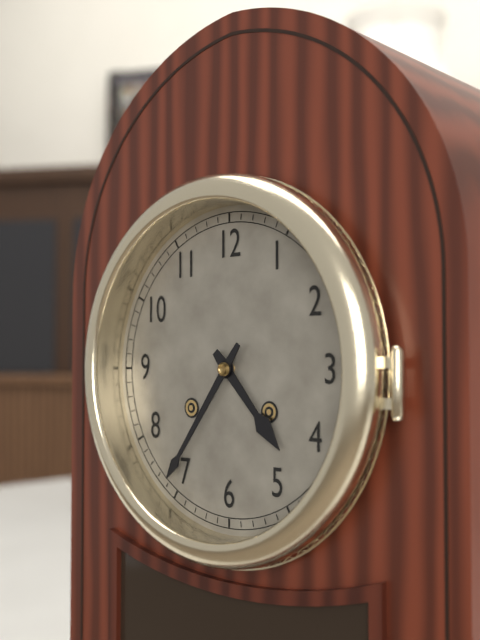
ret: 4:36
